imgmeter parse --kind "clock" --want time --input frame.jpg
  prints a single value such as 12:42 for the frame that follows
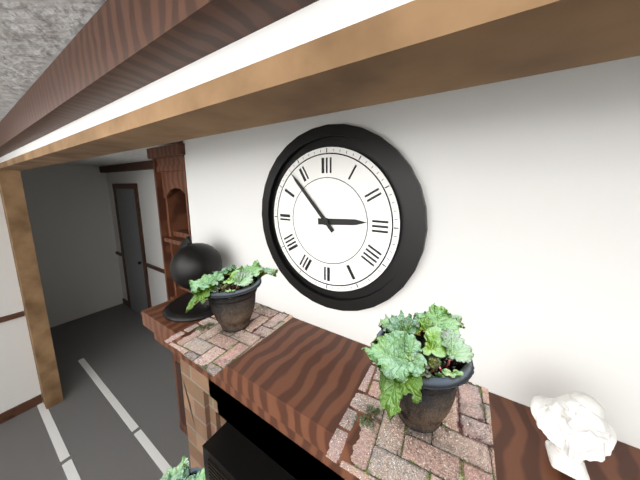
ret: 2:53
